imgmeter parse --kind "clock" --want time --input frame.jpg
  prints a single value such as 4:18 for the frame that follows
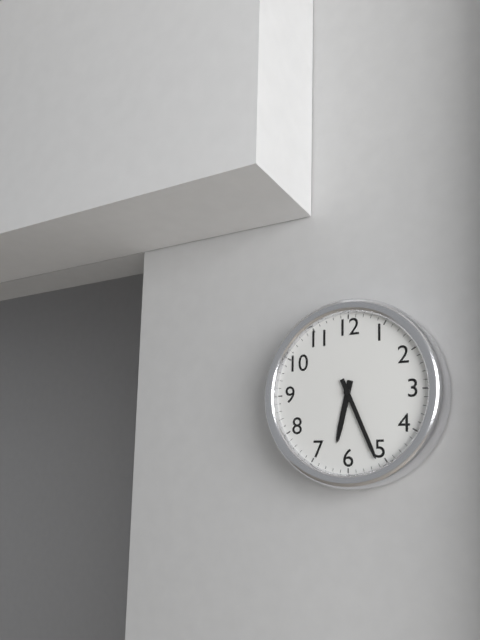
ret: 6:26
